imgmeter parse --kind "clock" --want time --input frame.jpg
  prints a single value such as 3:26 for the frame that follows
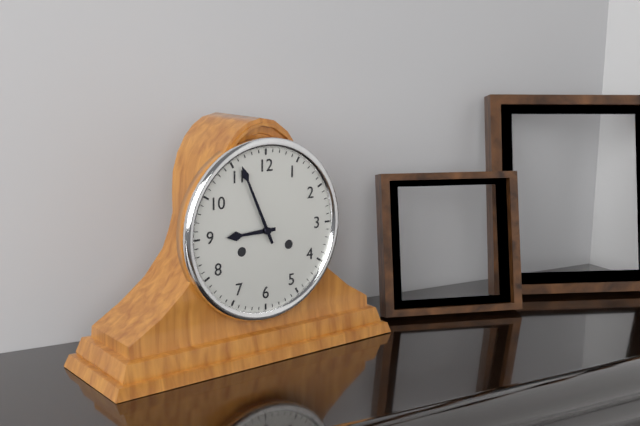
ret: 8:56
